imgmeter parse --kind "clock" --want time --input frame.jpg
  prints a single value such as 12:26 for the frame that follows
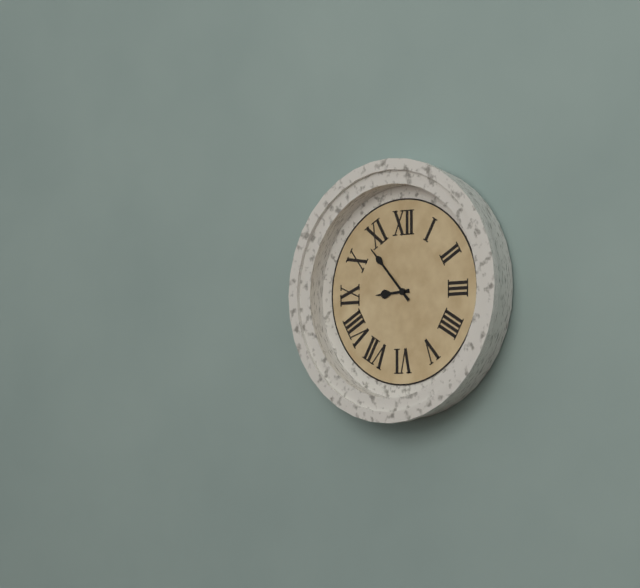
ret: 8:53
